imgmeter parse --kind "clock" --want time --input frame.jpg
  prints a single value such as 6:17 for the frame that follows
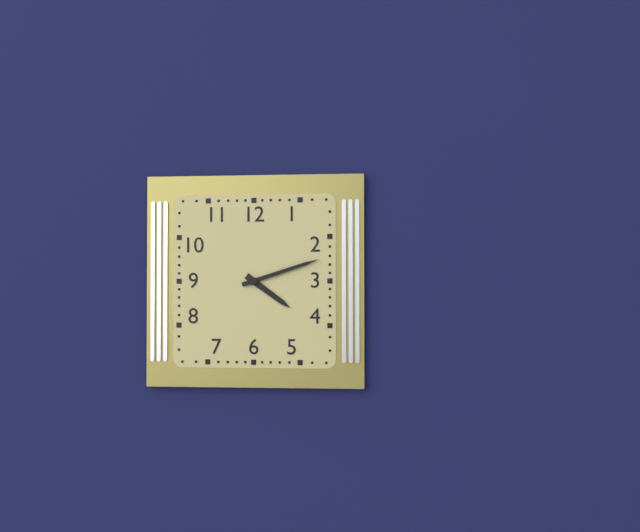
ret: 4:12
